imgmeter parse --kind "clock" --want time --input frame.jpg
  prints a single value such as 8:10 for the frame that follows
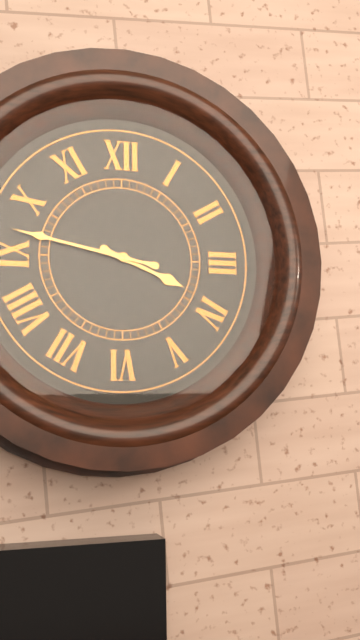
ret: 3:47
